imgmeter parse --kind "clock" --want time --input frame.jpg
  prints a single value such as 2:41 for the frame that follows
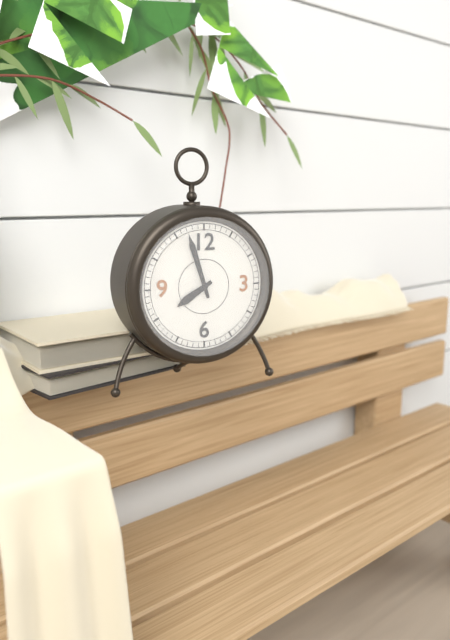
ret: 7:57
